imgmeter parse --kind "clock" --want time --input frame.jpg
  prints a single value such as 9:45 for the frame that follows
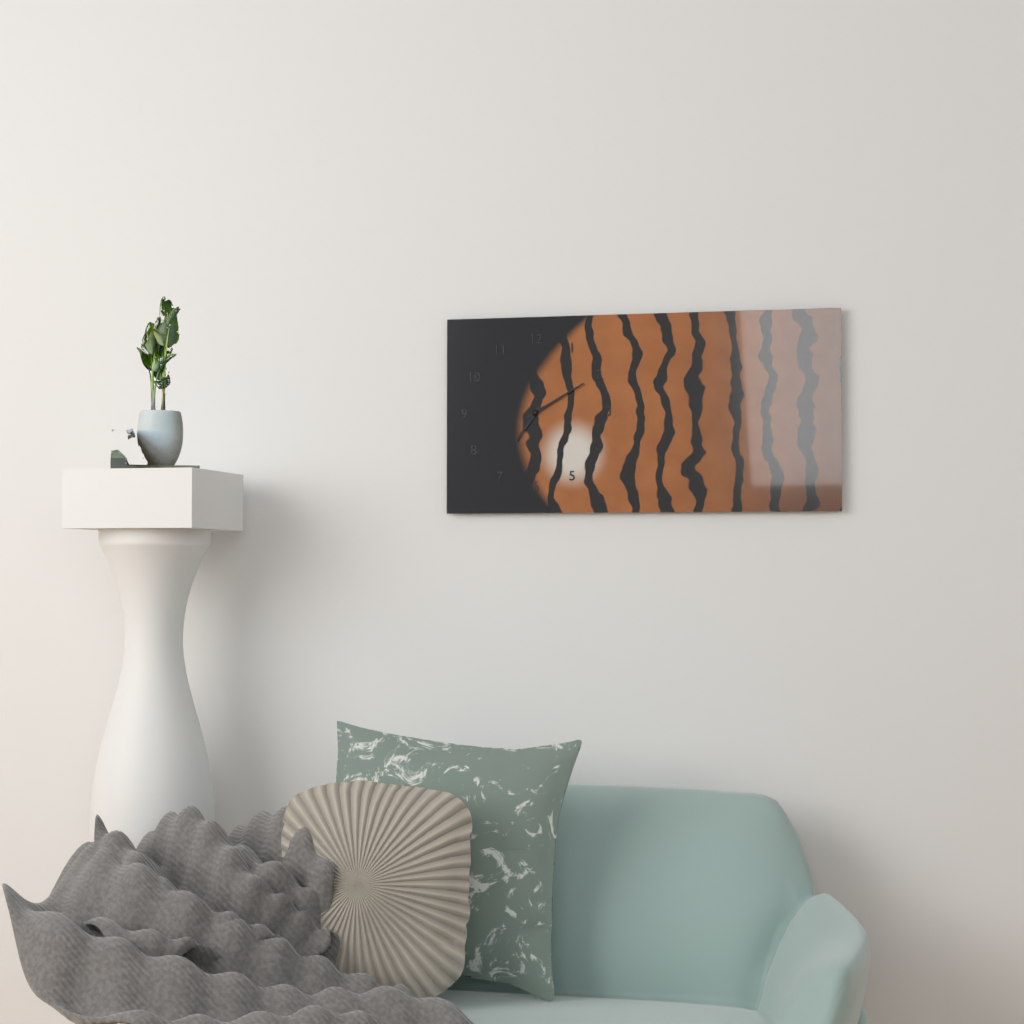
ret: 7:10
